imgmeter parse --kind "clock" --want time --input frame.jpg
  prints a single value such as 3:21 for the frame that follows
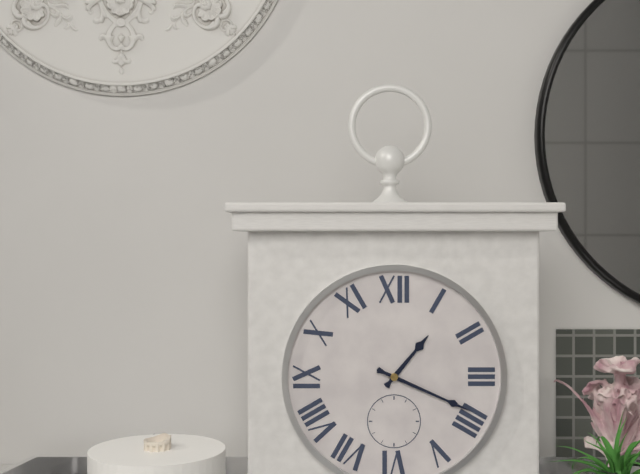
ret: 1:19
